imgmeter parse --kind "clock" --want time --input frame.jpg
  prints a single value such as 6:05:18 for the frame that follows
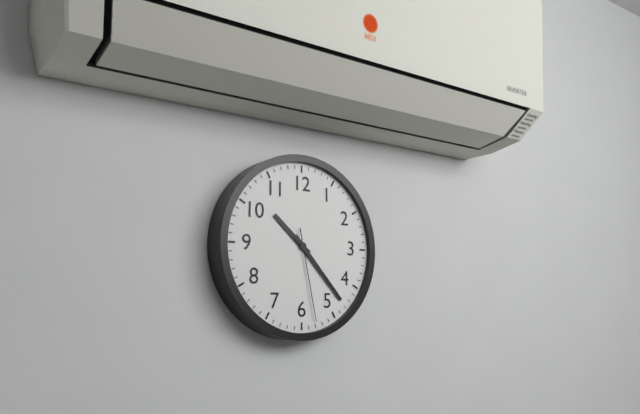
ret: 10:23:28
